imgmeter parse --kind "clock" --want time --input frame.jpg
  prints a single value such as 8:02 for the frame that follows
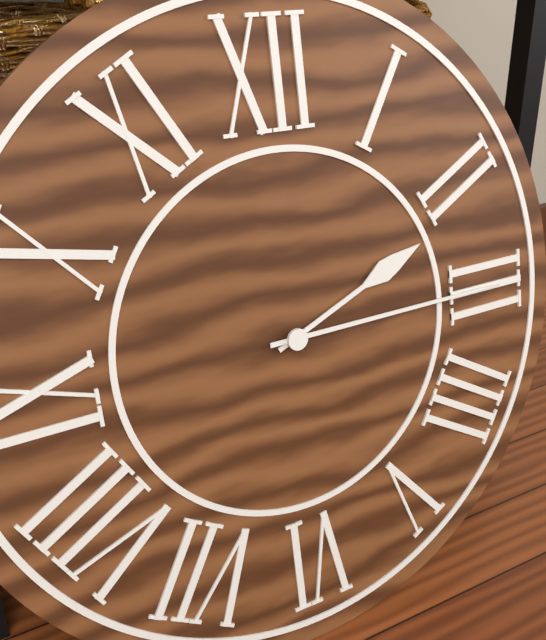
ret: 2:15
